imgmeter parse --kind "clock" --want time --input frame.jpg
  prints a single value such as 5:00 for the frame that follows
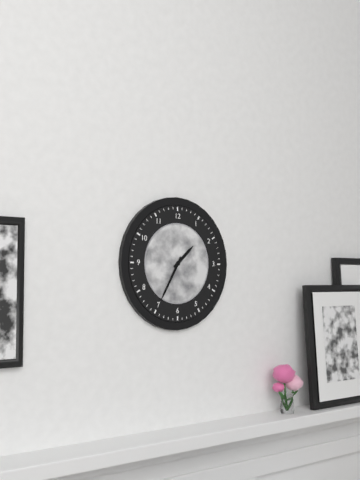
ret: 1:35
